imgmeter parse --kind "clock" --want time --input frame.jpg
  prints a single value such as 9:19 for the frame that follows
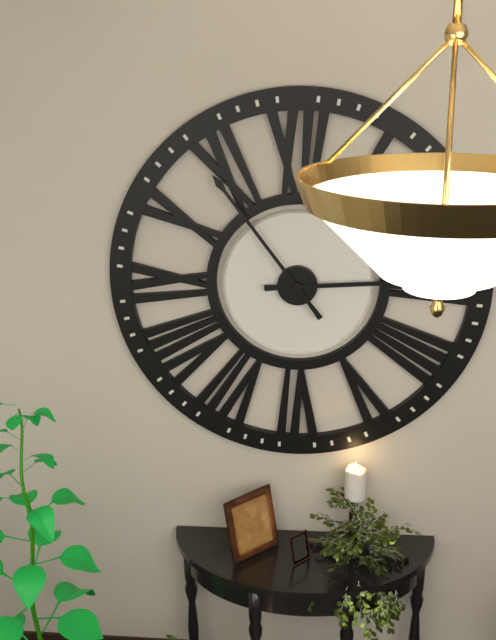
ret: 2:54
